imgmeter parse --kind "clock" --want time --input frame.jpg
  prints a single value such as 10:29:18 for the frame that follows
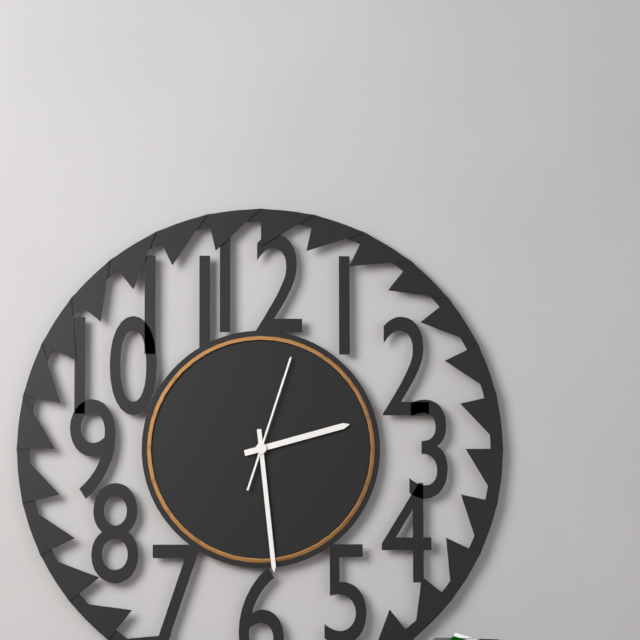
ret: 2:29:03
